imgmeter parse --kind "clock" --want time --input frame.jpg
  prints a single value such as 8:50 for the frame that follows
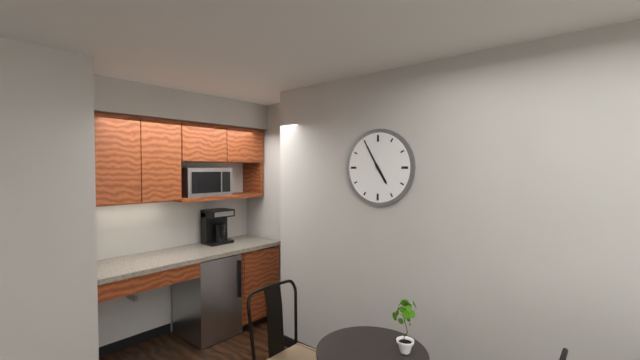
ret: 4:55
